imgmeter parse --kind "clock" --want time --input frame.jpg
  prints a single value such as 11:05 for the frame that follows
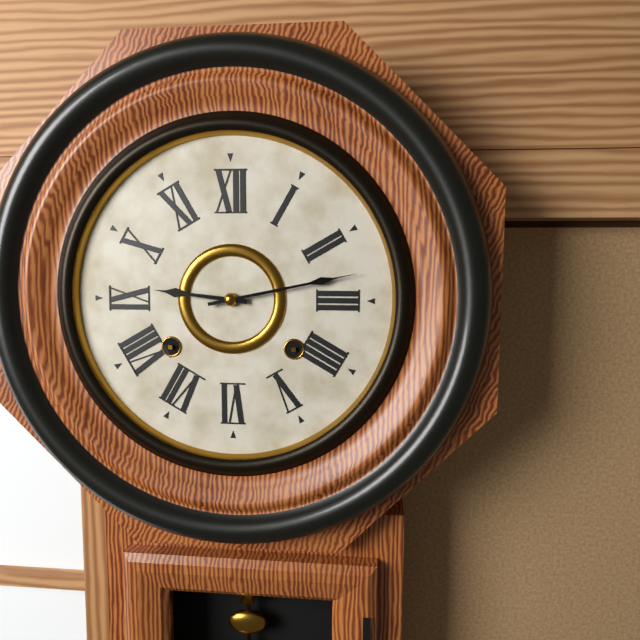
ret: 9:13
